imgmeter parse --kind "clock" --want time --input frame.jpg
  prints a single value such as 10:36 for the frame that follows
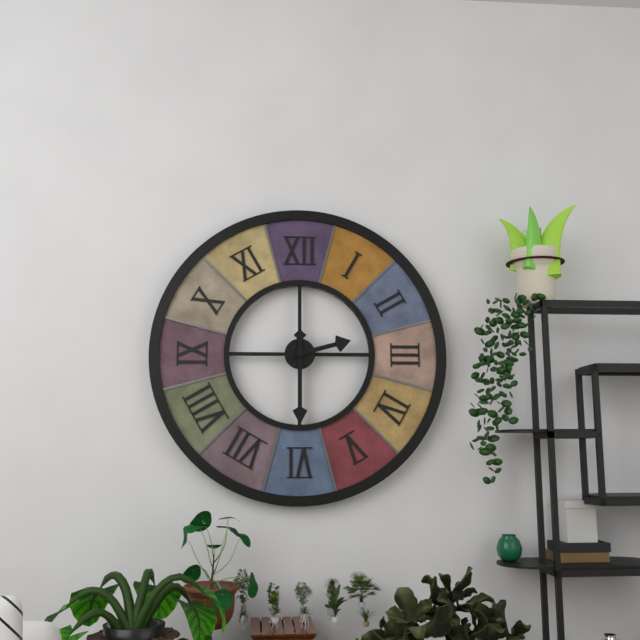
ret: 2:30
